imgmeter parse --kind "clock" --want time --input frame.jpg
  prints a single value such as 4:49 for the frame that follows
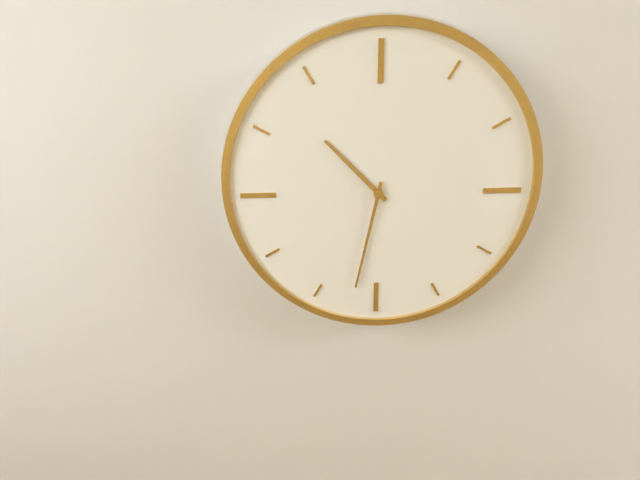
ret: 10:32
